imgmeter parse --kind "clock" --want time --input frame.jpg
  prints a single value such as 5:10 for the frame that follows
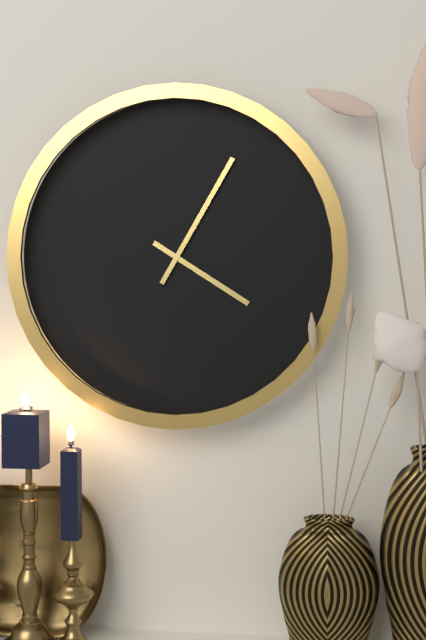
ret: 4:05
